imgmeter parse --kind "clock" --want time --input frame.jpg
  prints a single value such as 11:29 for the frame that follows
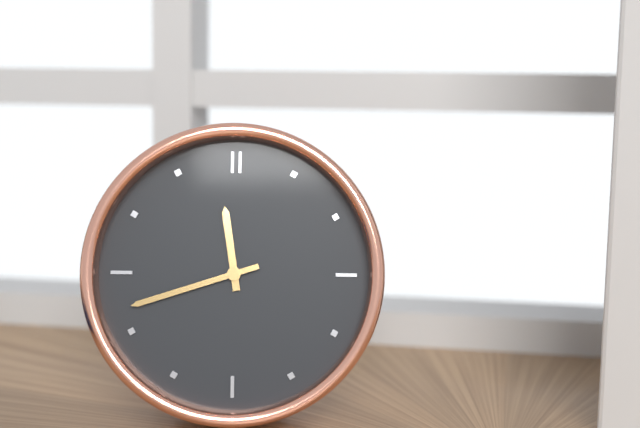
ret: 11:42
